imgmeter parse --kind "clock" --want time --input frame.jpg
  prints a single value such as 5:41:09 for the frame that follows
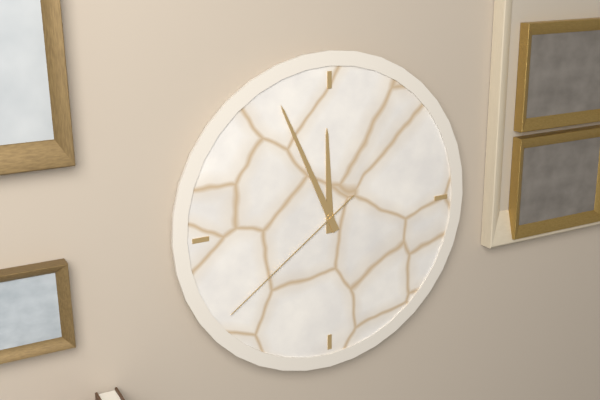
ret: 11:56:39
